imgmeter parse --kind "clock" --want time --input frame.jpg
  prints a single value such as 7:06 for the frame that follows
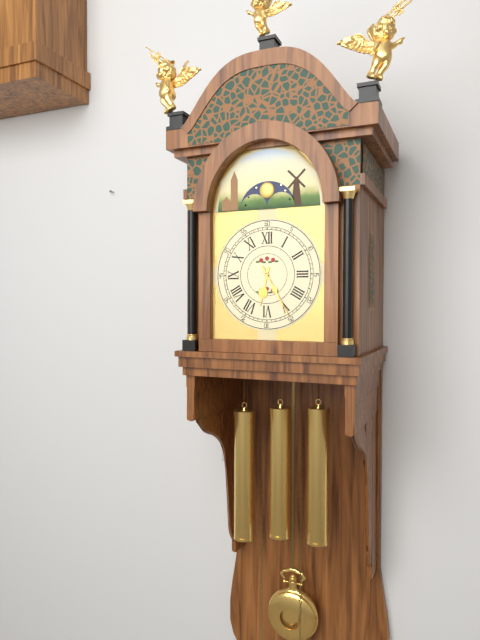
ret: 6:25
